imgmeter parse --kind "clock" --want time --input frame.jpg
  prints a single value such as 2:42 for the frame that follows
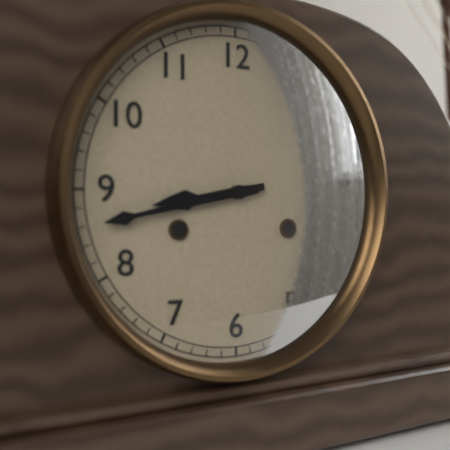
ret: 8:43
